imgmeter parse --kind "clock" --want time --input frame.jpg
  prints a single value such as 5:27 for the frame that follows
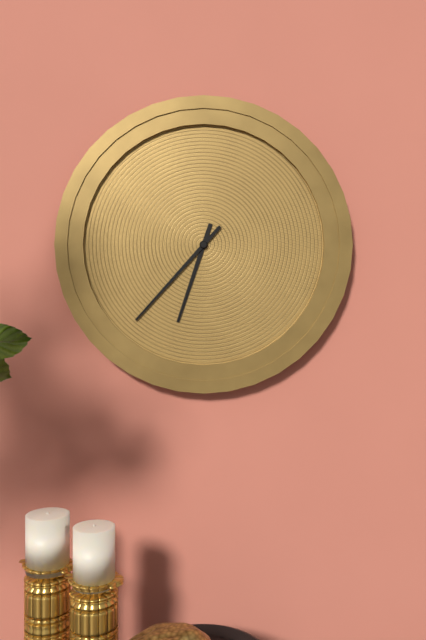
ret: 6:37
